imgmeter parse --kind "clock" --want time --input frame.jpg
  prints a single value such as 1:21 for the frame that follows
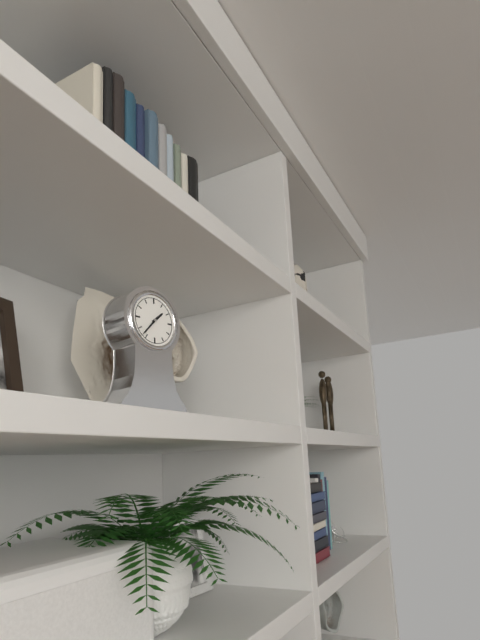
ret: 1:37
